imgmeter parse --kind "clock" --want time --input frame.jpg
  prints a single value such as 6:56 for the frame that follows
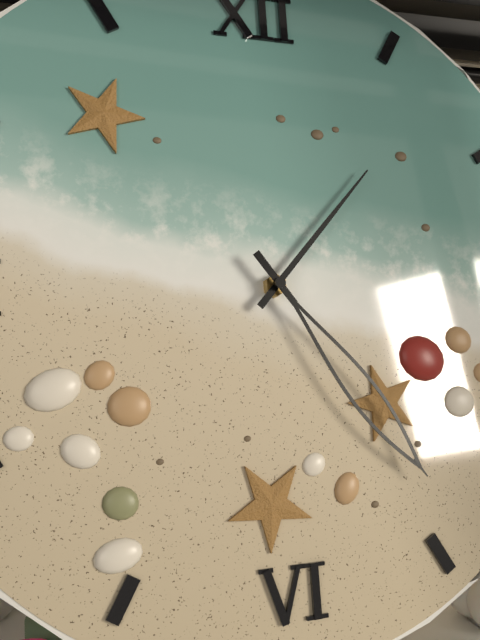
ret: 1:24
